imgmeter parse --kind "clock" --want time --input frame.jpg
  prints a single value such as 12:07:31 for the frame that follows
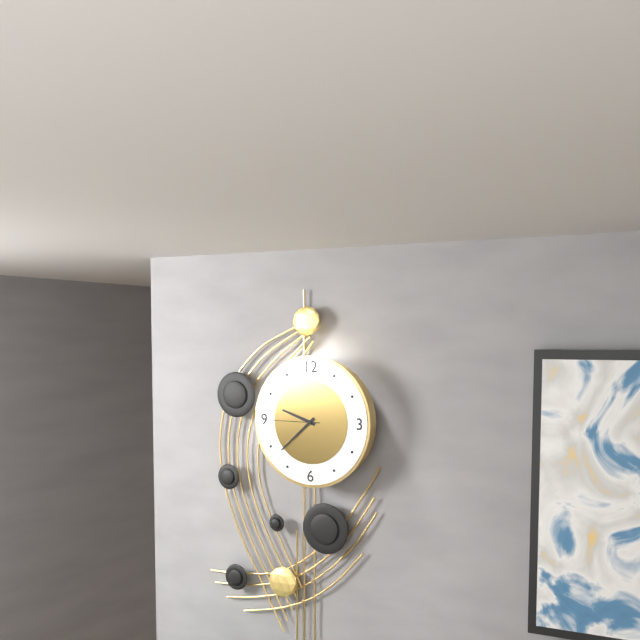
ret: 9:38:45
